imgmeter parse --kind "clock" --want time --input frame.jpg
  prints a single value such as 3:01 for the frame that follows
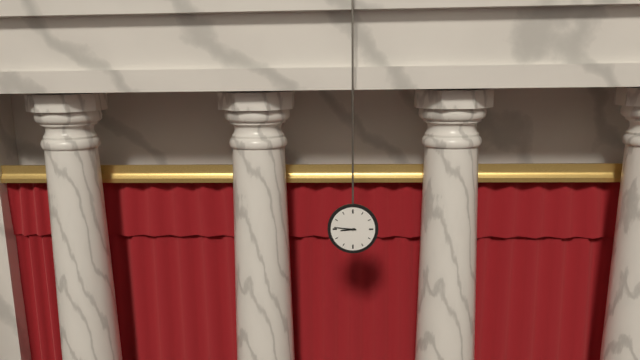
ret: 8:46
